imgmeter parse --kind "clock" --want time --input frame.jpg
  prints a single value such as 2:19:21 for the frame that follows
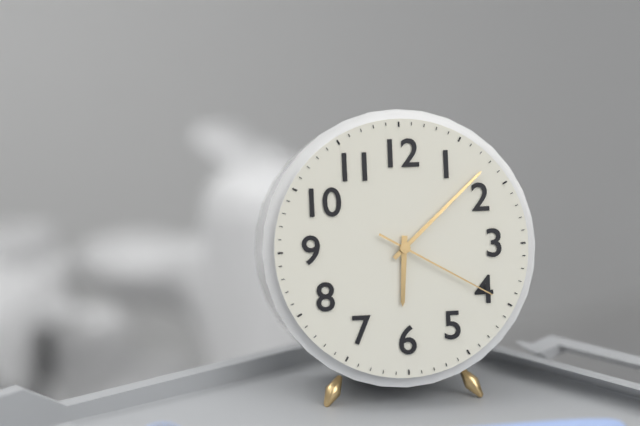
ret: 6:08:20
